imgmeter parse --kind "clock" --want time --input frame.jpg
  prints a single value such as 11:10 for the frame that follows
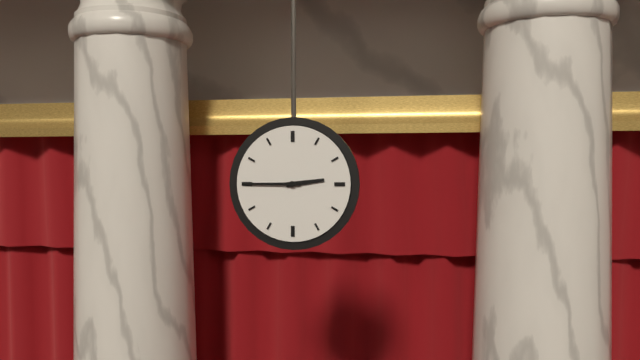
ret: 2:45
